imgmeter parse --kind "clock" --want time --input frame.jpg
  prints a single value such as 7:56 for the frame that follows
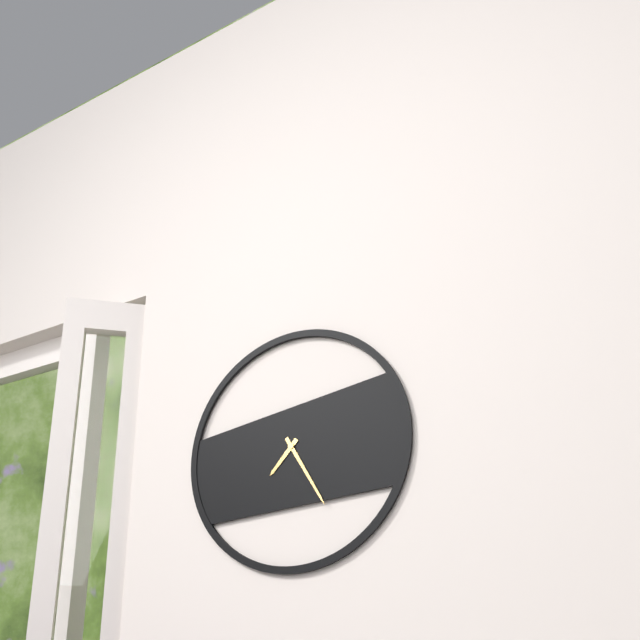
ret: 7:25
